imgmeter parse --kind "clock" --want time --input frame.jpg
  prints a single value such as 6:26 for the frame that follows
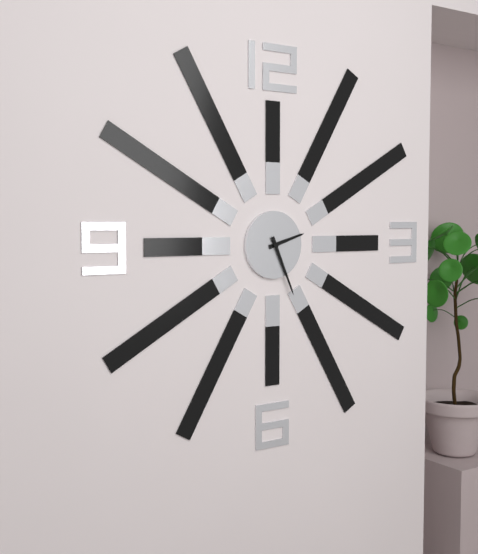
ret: 2:26
